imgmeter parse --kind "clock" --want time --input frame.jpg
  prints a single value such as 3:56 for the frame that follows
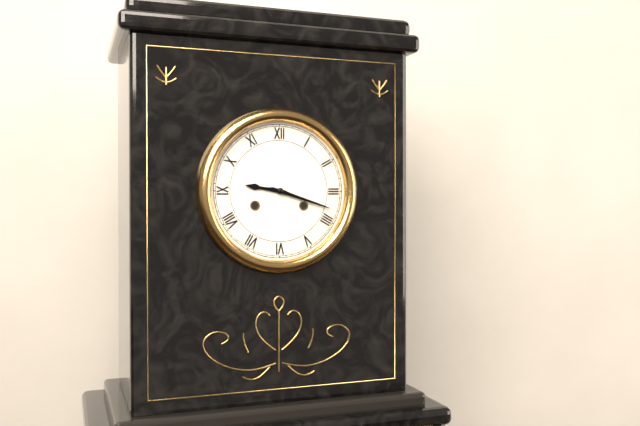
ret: 9:18
